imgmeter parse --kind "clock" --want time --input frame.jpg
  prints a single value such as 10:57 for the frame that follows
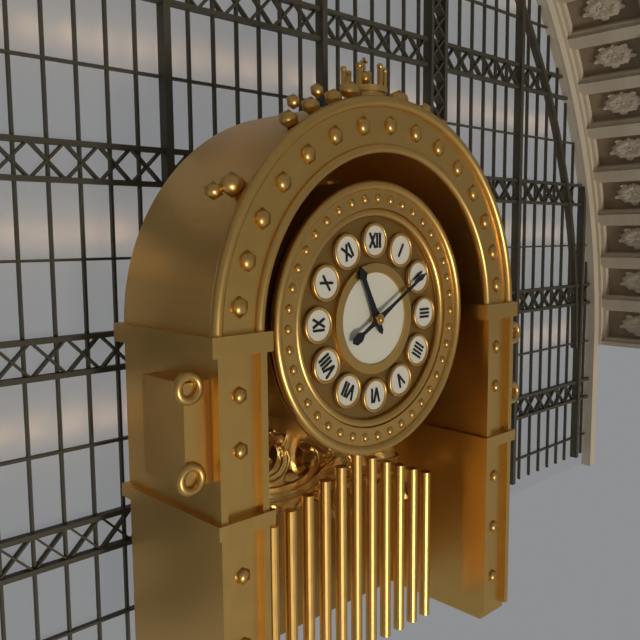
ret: 11:10
